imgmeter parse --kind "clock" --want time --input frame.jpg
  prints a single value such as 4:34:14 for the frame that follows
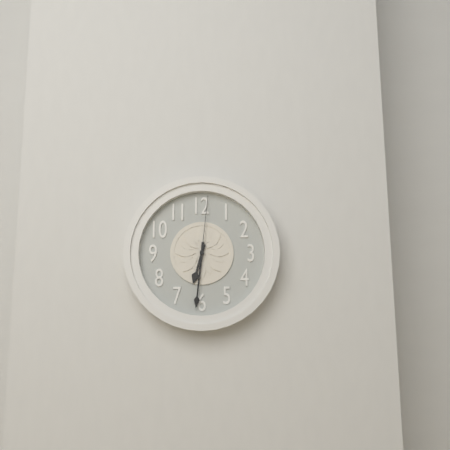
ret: 6:31:01
